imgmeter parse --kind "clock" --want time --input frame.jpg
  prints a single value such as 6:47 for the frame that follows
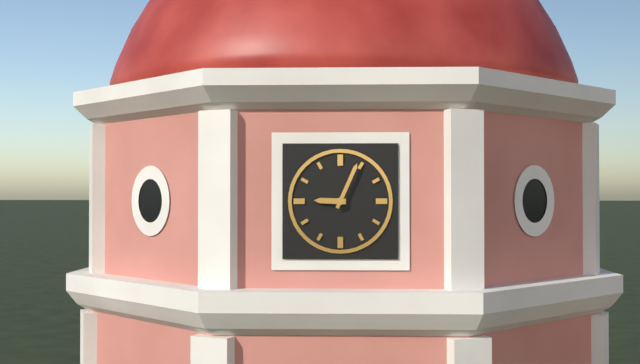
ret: 9:04
